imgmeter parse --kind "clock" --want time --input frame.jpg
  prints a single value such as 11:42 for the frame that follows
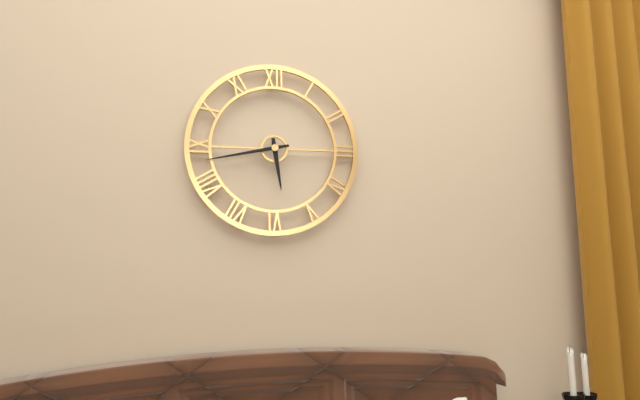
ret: 5:43
